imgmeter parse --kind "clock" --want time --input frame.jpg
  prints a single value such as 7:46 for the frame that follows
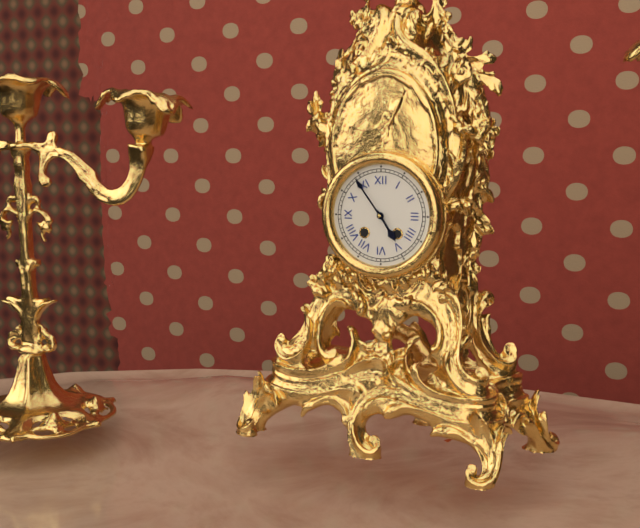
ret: 4:54
